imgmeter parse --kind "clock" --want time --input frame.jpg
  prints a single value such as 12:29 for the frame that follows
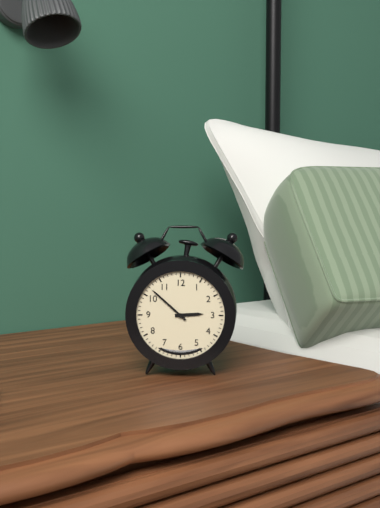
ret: 2:52
